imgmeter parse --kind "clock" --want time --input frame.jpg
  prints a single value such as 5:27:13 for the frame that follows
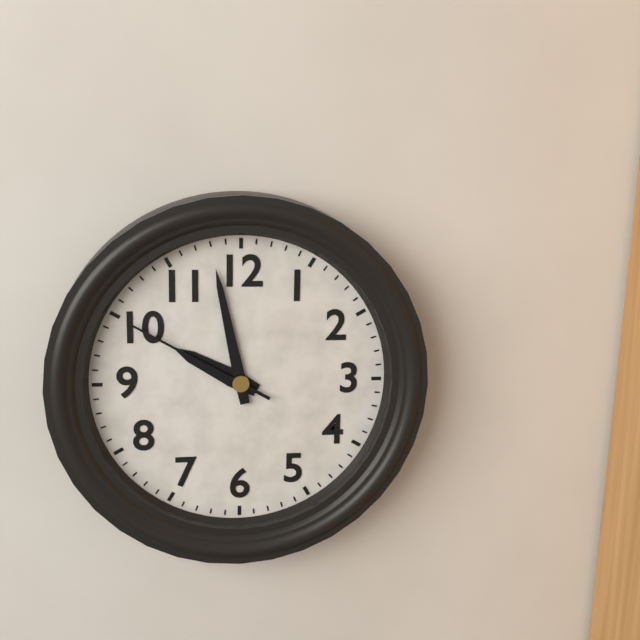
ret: 9:58:50
